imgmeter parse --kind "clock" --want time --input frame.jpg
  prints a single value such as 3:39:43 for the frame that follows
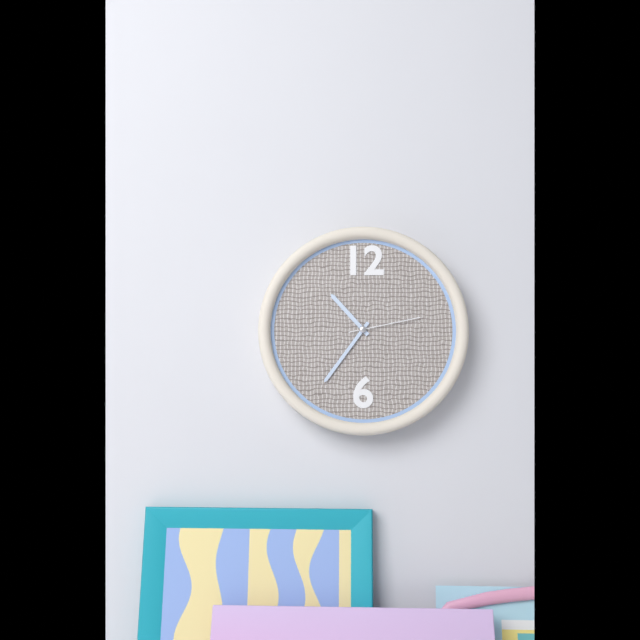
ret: 10:36:13
